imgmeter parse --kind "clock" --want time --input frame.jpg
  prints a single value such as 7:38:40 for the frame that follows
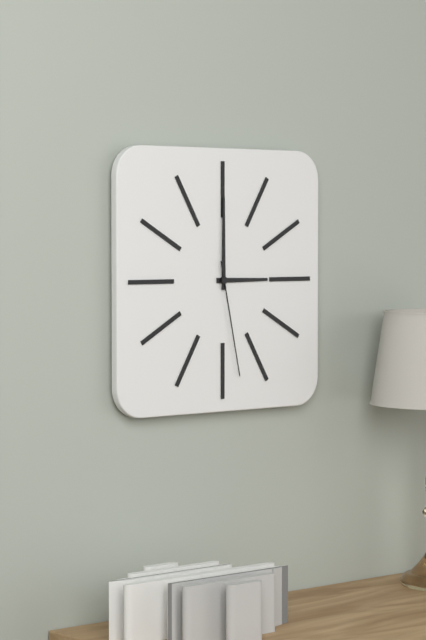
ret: 3:00:28
